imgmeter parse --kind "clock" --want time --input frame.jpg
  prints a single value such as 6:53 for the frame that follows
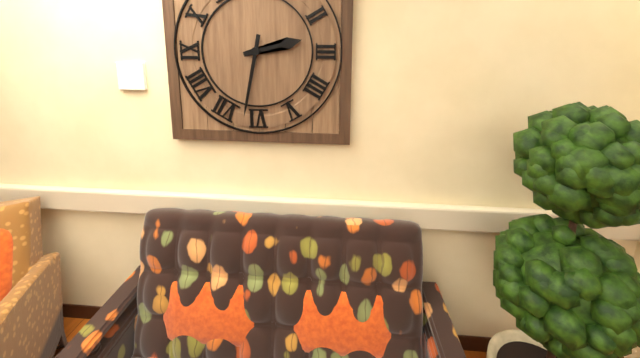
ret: 2:32
